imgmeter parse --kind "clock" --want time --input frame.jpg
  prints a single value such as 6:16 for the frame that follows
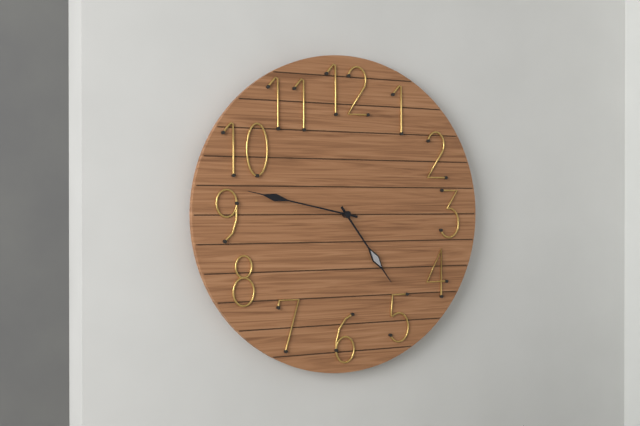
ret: 4:47
